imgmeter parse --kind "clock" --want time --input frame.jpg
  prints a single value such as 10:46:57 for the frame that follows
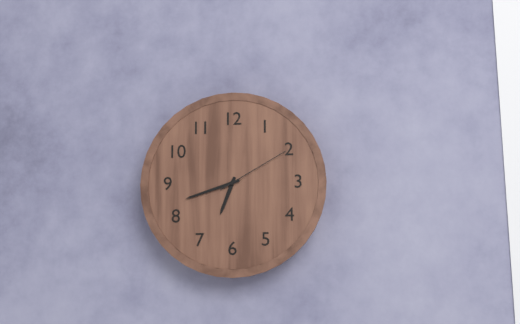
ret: 6:42:10
